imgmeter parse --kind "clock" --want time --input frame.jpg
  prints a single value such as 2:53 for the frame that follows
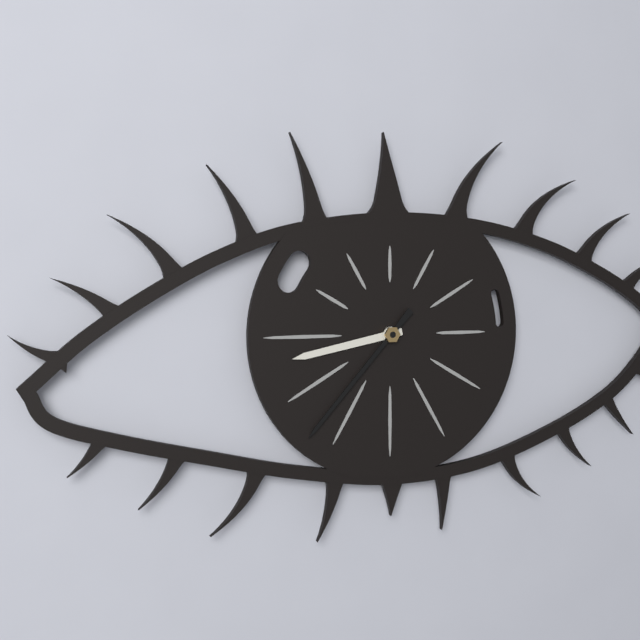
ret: 8:37
